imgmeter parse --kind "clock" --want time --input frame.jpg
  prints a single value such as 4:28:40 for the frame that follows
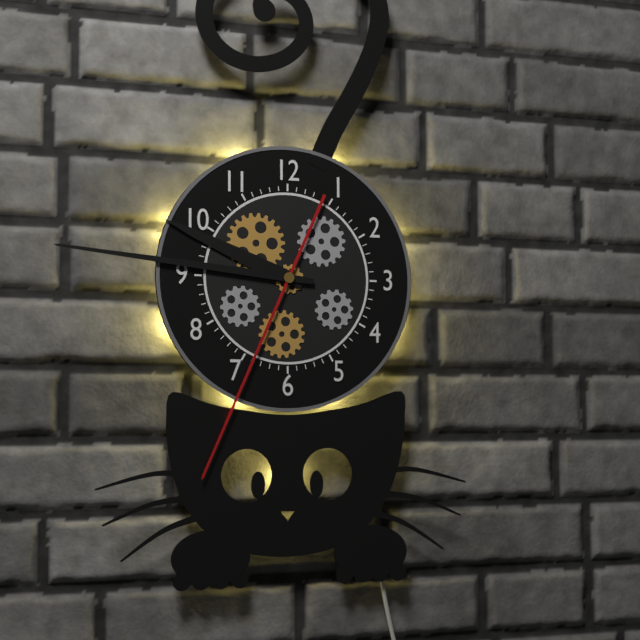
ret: 9:46:34
